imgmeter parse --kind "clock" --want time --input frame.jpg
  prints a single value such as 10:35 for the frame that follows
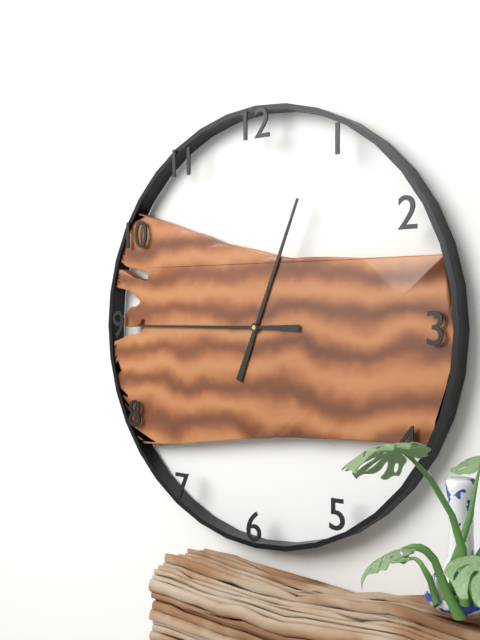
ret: 12:45
